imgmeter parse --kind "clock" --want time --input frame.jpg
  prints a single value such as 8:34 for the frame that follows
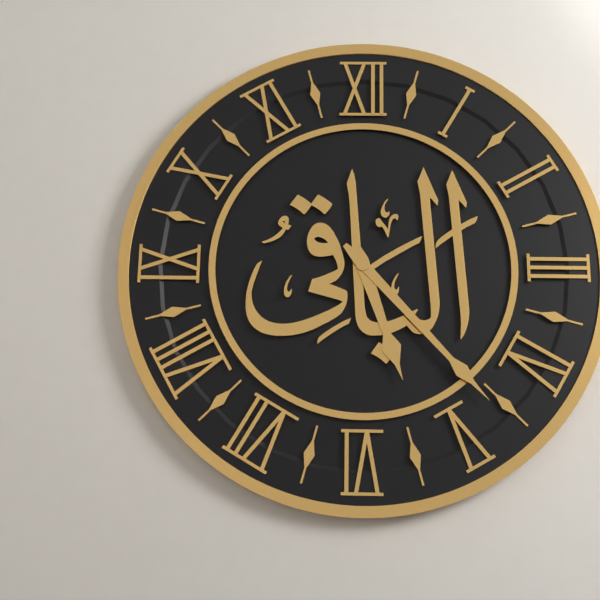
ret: 5:23
